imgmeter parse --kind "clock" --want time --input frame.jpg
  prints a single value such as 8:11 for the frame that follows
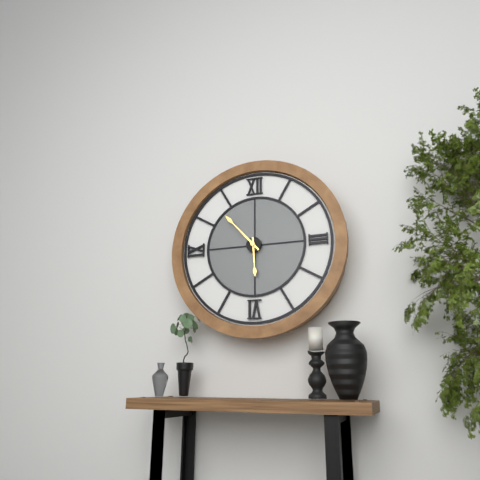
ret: 5:53
